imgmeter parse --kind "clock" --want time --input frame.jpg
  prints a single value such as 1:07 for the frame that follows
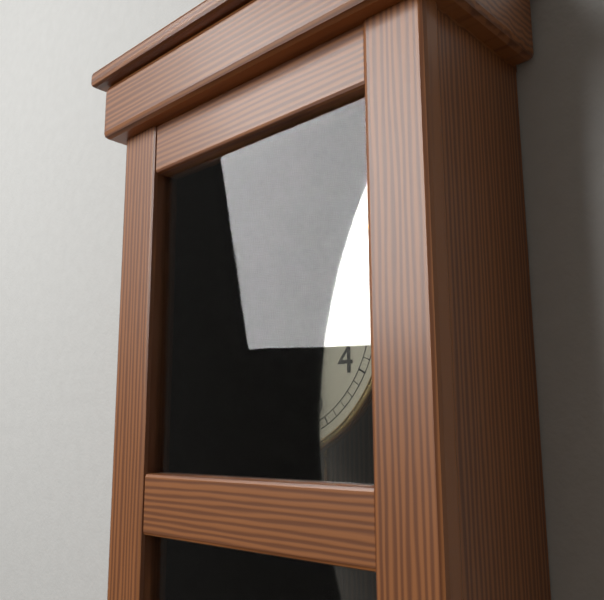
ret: 10:26
